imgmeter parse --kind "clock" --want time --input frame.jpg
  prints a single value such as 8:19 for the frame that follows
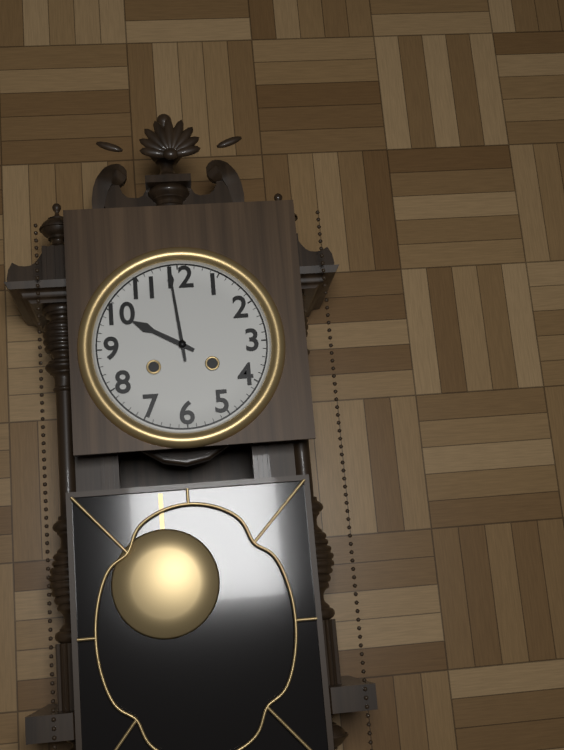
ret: 9:59
